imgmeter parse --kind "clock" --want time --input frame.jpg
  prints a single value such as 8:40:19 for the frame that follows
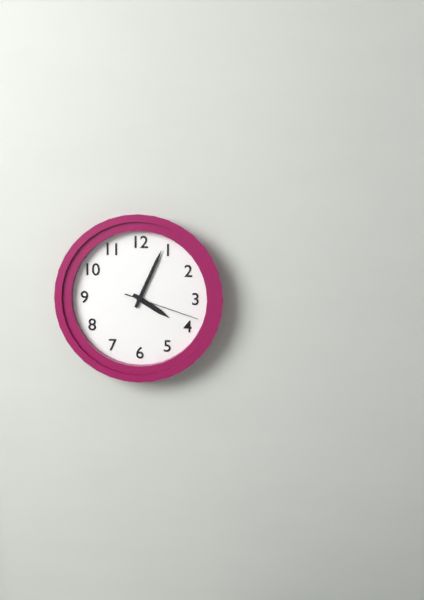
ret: 4:04:18
